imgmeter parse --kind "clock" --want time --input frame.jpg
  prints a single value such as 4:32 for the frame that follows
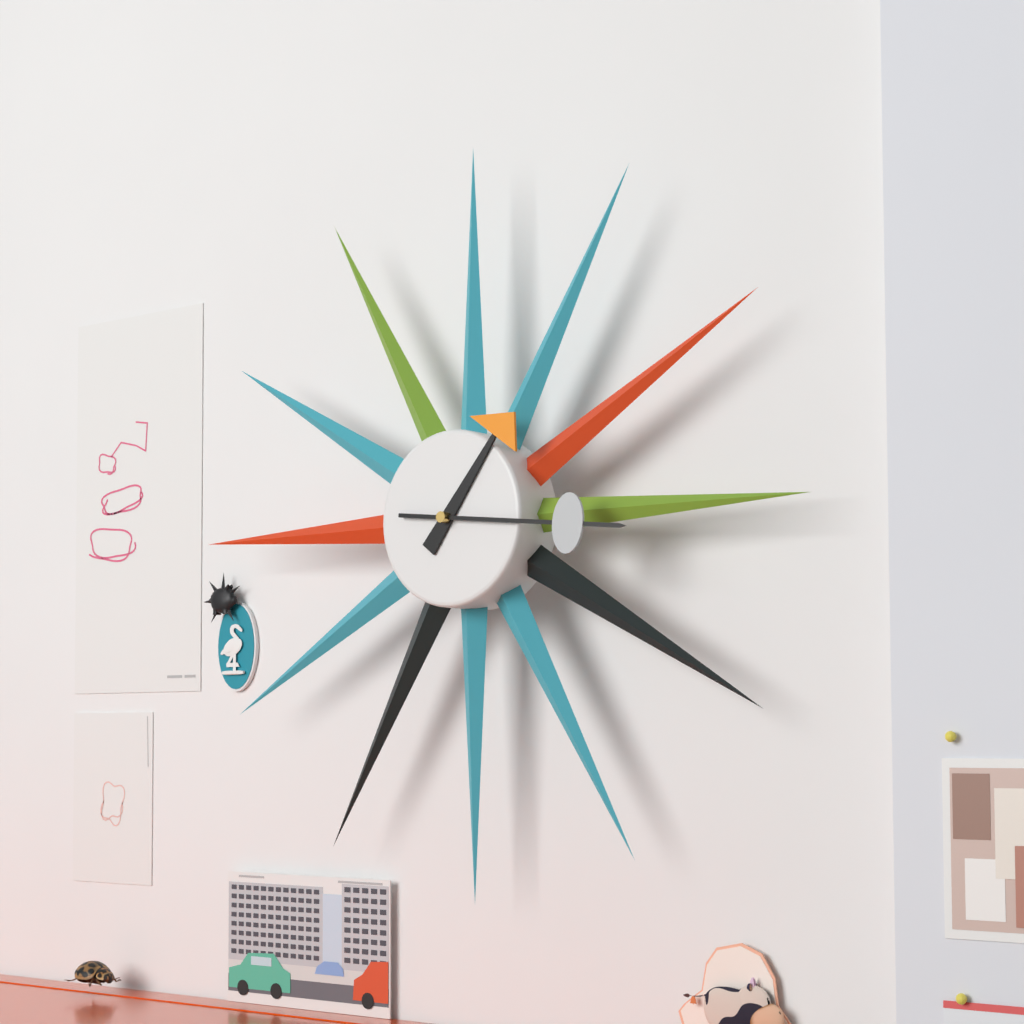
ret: 1:16
